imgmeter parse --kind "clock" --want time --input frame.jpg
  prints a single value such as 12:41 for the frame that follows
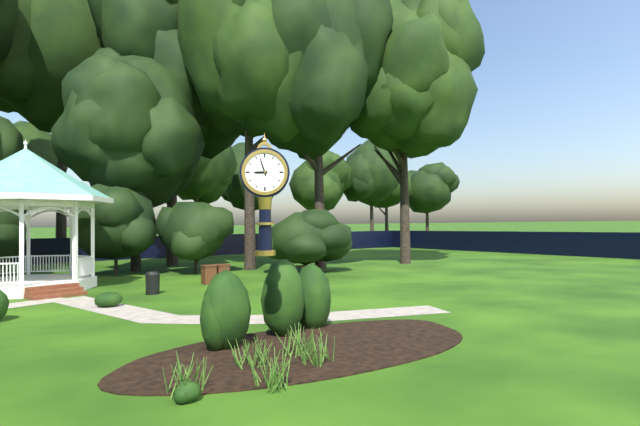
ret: 8:57
